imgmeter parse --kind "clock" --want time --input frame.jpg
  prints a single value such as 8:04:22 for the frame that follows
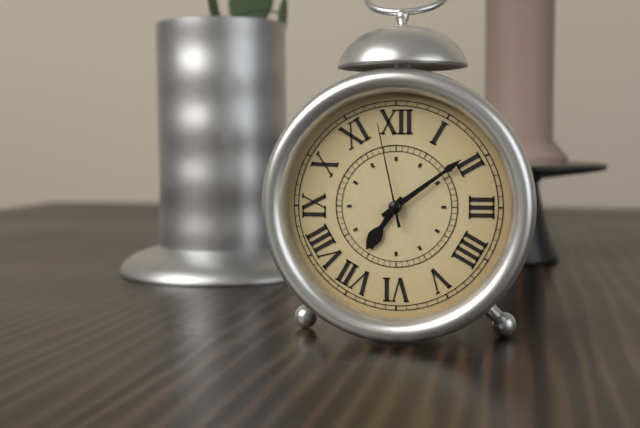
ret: 7:09:58
